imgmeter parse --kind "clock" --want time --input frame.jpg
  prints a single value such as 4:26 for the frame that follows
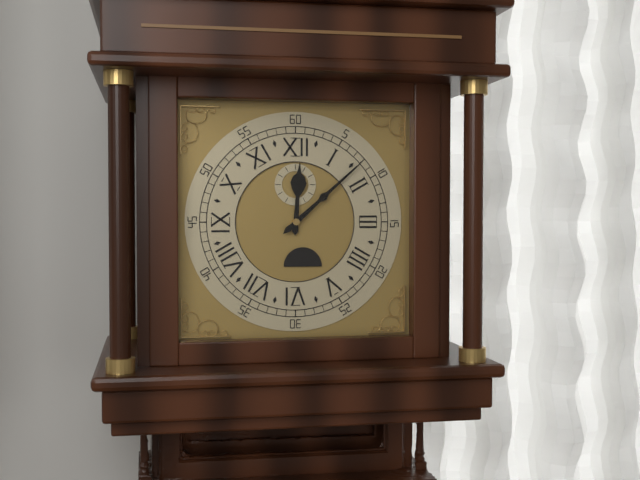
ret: 12:08
